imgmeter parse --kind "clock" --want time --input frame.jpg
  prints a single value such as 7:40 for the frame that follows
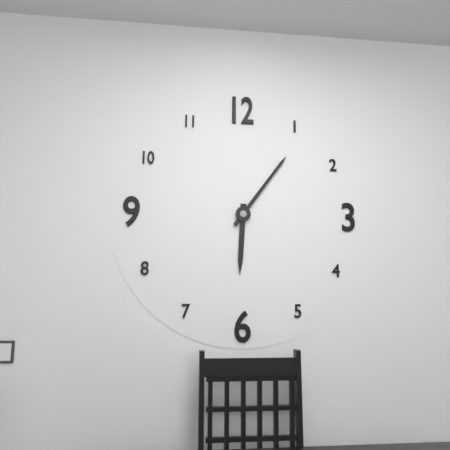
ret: 6:06
